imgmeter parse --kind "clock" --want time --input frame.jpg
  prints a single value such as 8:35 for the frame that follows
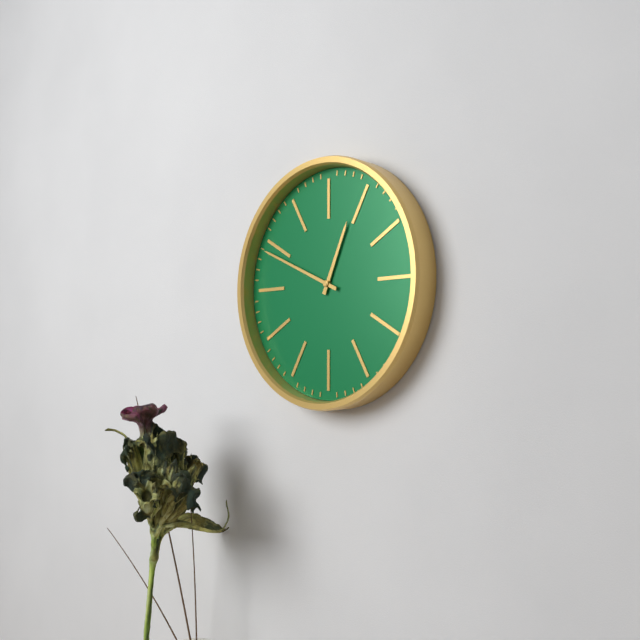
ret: 12:49
